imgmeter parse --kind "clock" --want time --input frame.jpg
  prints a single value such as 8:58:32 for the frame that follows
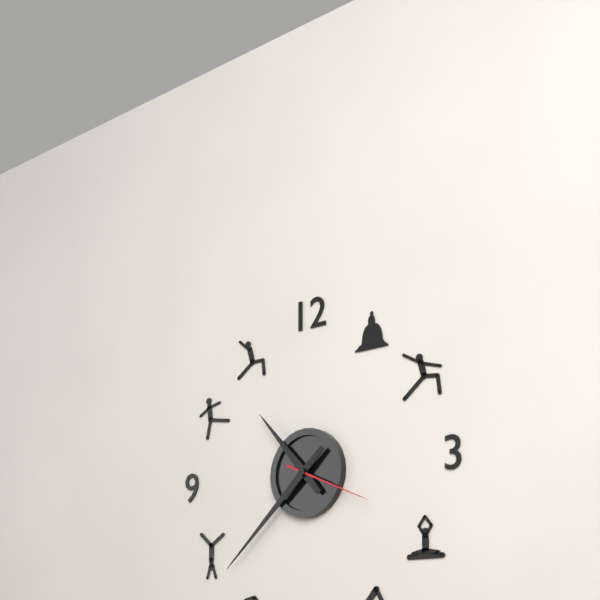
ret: 10:38:19
